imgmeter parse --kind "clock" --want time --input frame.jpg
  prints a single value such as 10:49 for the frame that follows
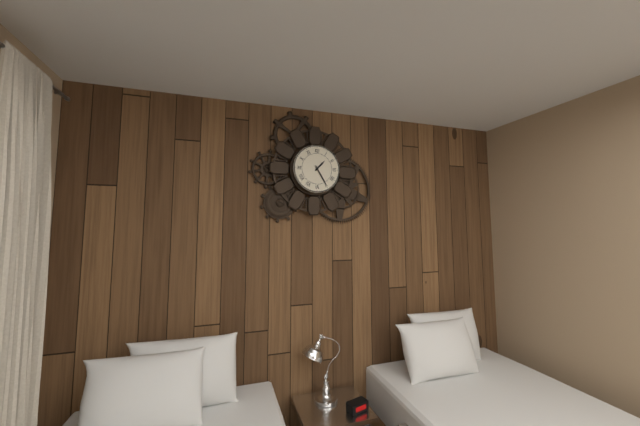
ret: 1:25
